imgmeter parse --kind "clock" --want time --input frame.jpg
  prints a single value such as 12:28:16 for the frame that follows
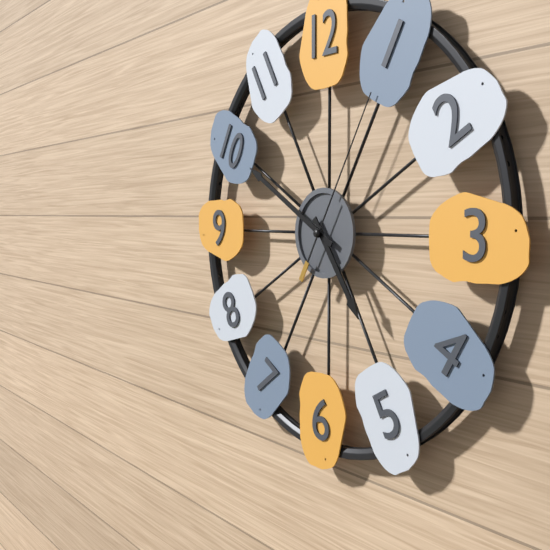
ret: 4:50:05
